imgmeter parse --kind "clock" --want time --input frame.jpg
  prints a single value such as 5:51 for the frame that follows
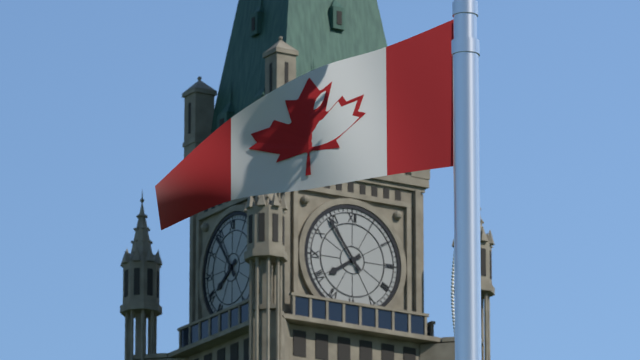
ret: 7:54
